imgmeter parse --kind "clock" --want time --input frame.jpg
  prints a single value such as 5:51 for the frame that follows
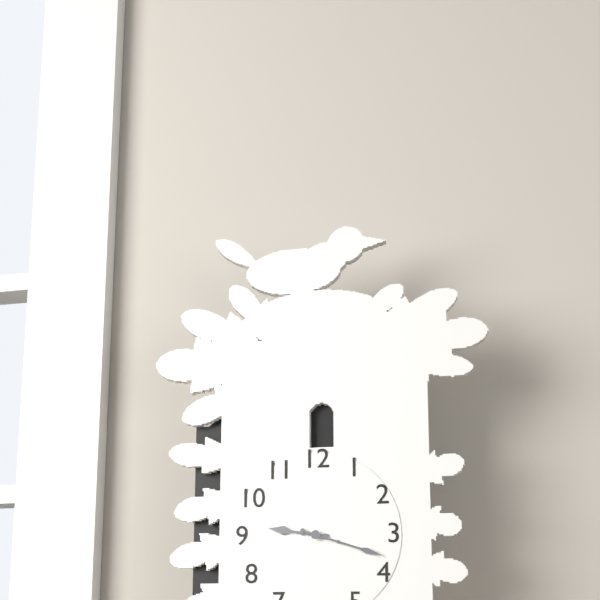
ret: 9:18
